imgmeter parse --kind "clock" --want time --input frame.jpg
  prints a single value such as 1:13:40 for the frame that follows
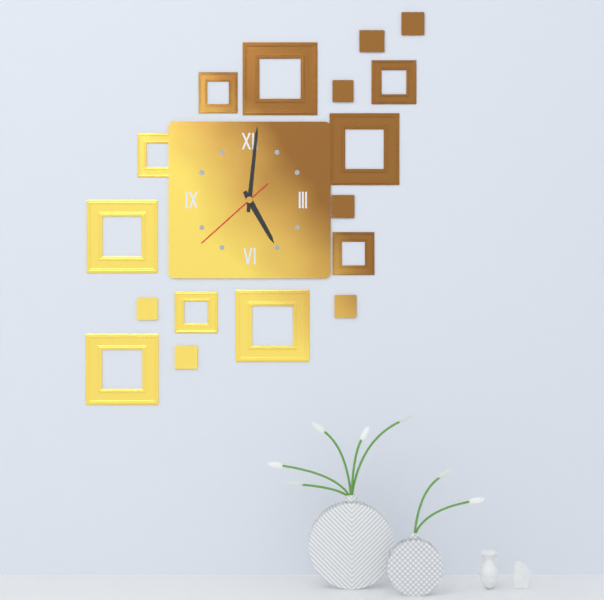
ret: 5:01:38
